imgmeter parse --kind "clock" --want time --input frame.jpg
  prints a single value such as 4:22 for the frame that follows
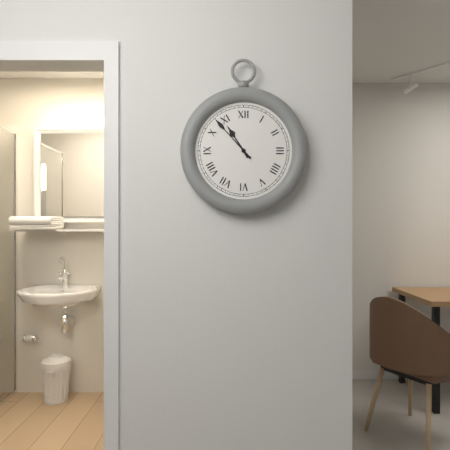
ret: 10:53
